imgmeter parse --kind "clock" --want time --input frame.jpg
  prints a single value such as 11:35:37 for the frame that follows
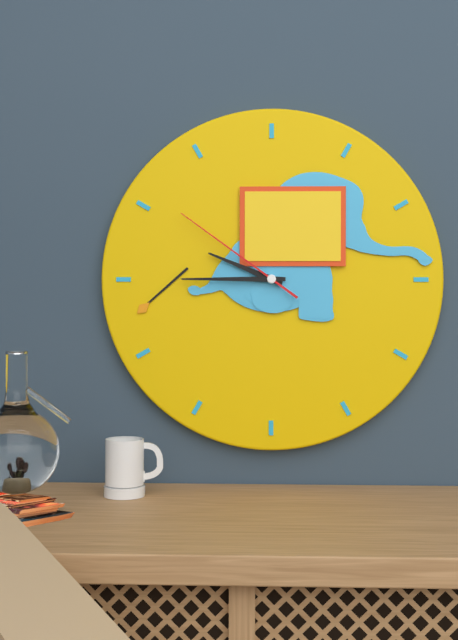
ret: 9:45:51
